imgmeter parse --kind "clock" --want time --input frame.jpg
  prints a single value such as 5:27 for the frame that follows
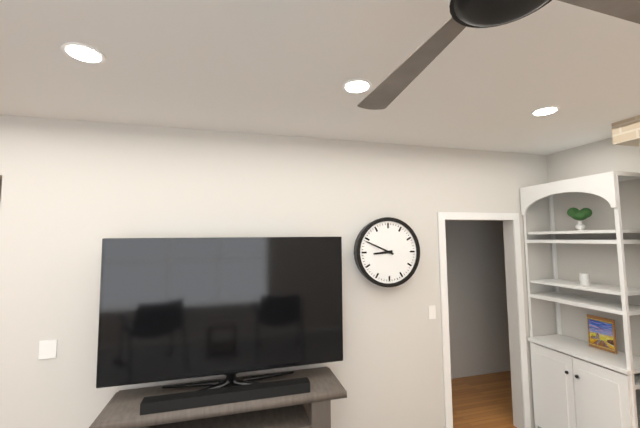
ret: 8:49
